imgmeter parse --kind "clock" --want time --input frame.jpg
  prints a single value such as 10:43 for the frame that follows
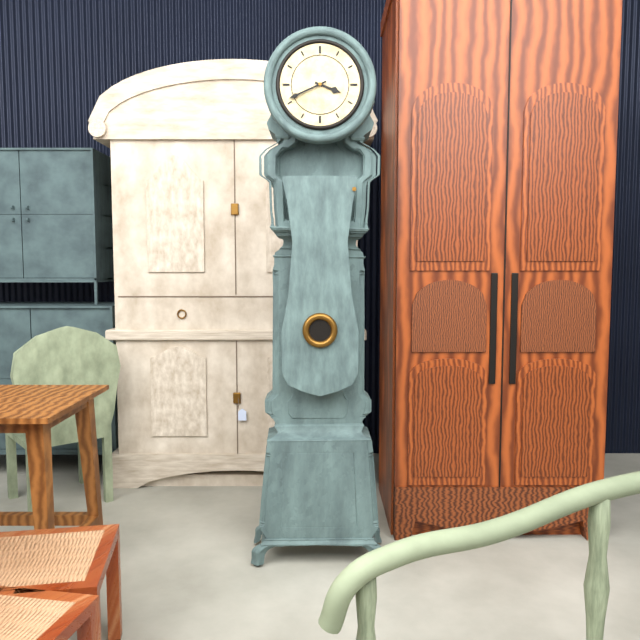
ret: 3:41
